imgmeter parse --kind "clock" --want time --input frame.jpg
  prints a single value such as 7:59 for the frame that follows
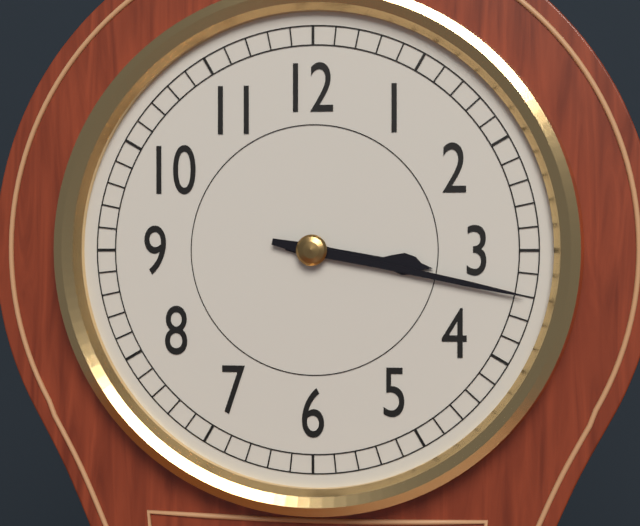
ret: 3:17
